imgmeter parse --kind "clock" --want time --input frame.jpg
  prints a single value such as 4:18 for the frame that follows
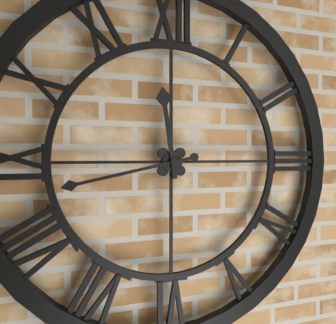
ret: 11:43
